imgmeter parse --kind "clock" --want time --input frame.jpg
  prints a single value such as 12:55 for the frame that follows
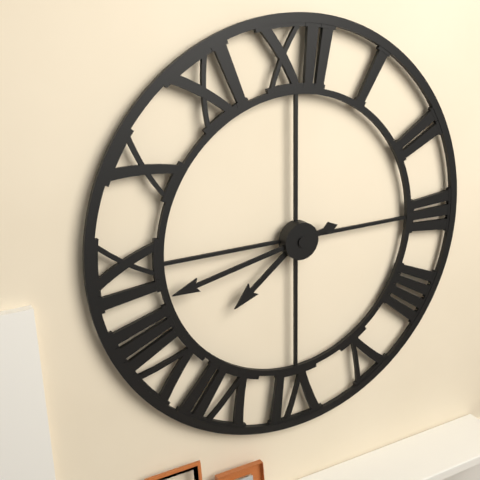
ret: 7:43
